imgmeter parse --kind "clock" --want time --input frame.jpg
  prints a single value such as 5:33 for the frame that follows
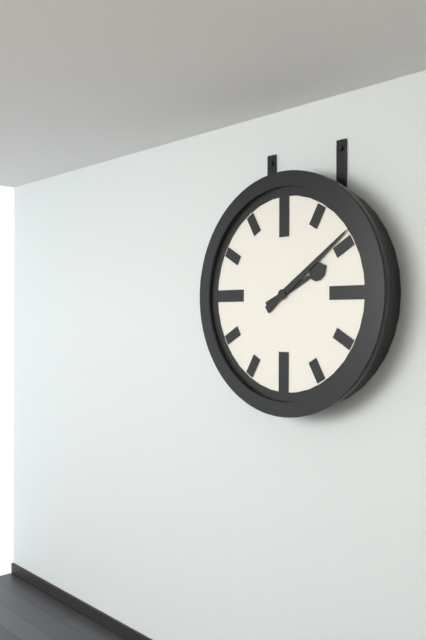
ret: 2:09
